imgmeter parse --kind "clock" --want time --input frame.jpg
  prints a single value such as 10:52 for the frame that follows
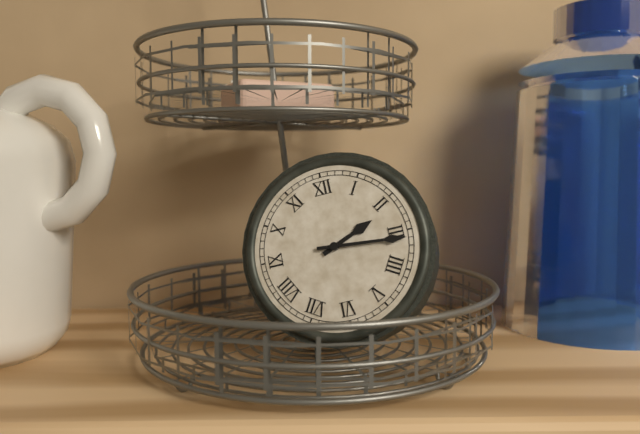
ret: 2:16
